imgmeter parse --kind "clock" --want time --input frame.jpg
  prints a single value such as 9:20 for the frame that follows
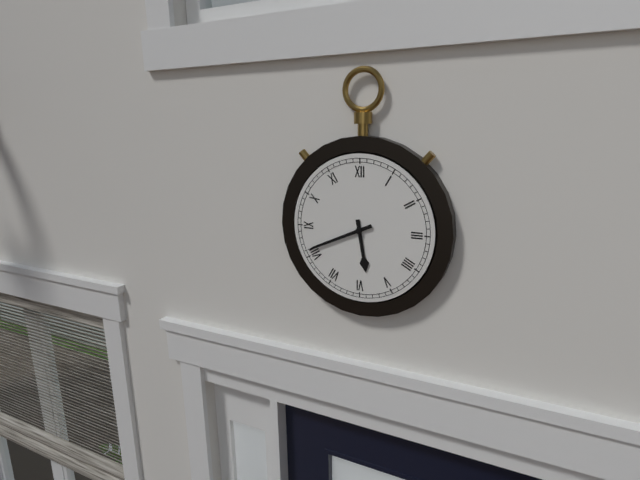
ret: 5:41
